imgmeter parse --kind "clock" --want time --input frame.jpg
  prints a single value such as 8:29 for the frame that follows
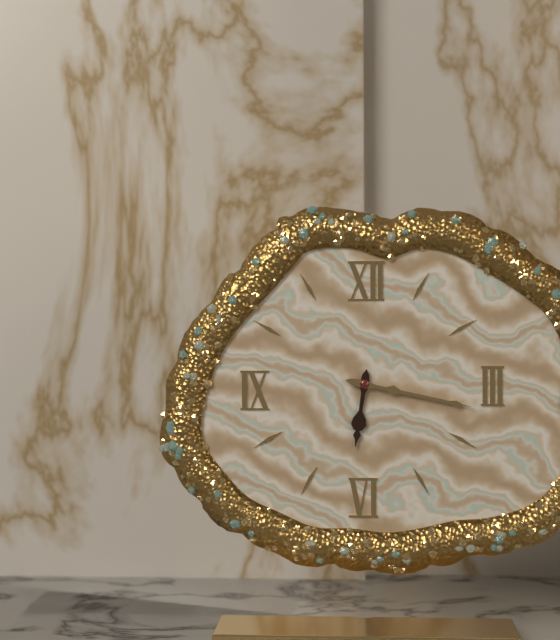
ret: 6:17
